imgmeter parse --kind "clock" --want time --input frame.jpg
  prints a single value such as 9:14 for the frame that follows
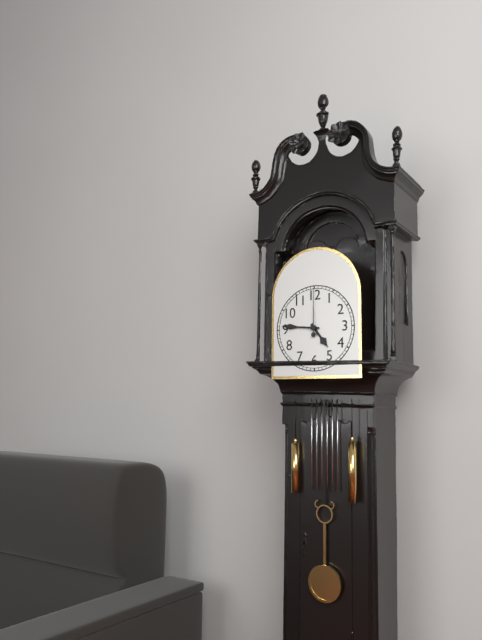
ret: 4:46
